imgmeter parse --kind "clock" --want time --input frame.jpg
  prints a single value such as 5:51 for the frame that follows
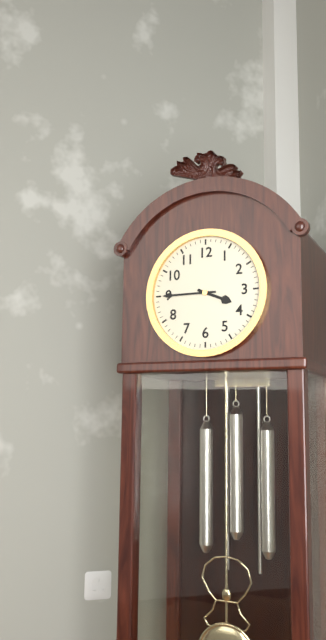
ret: 3:45
